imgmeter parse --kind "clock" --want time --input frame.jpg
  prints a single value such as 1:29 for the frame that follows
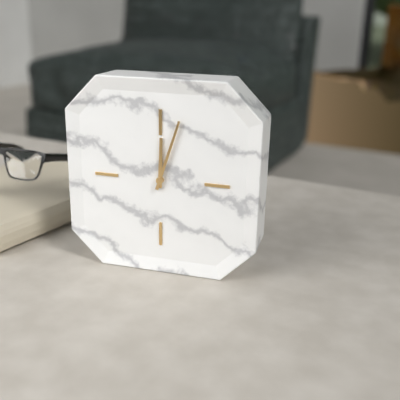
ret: 12:03
